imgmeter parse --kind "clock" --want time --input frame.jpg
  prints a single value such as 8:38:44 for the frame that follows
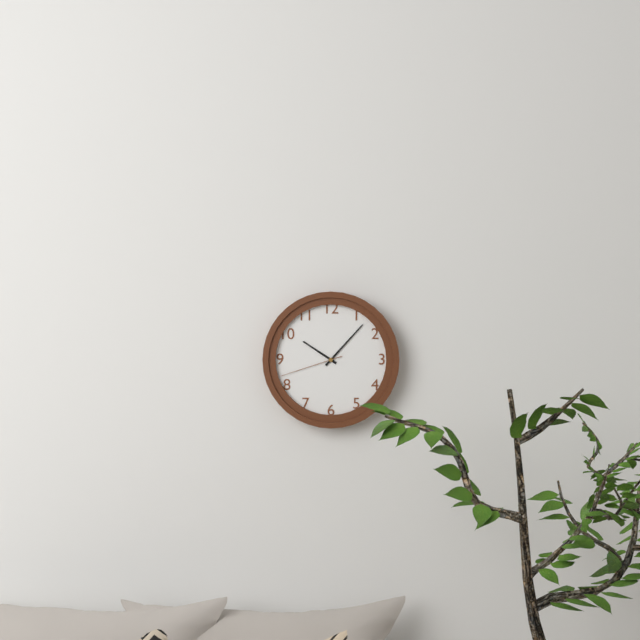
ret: 10:07:42
